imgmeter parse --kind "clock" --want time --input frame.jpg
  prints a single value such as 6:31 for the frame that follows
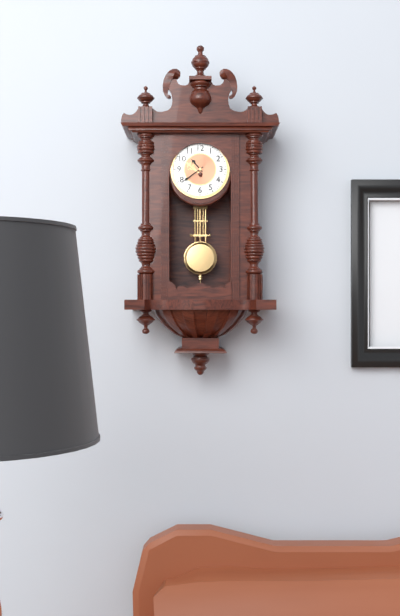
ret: 10:39
